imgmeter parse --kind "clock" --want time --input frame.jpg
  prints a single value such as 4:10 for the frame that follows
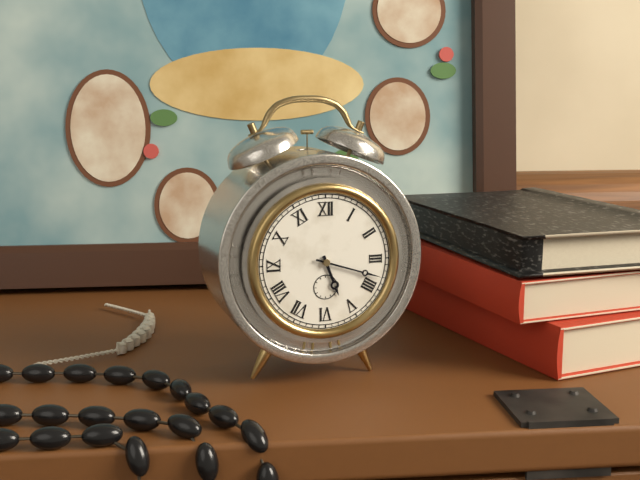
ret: 5:18
